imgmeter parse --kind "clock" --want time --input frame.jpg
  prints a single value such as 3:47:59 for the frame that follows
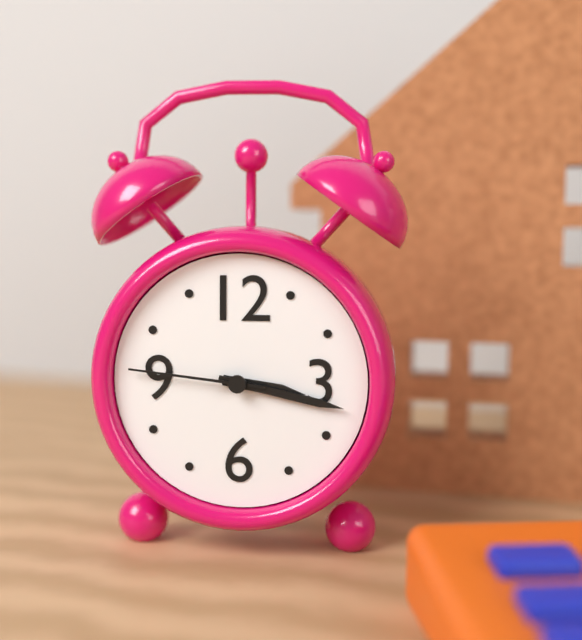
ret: 3:17:46
